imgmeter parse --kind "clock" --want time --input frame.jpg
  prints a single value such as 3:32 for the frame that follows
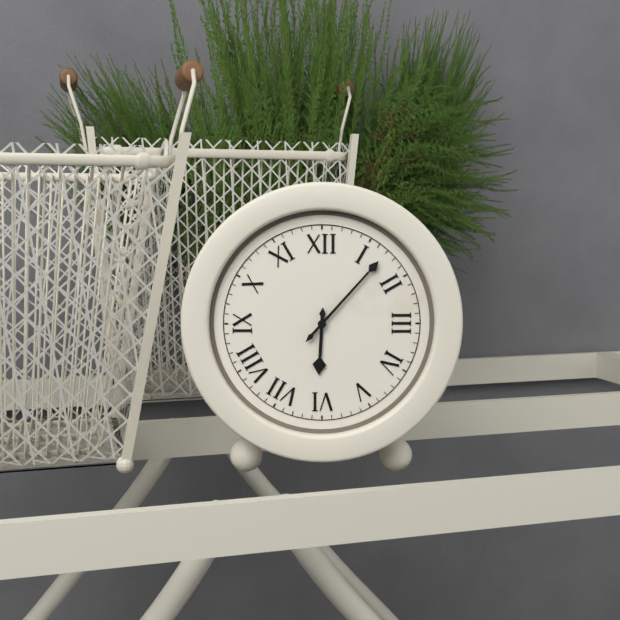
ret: 6:07
